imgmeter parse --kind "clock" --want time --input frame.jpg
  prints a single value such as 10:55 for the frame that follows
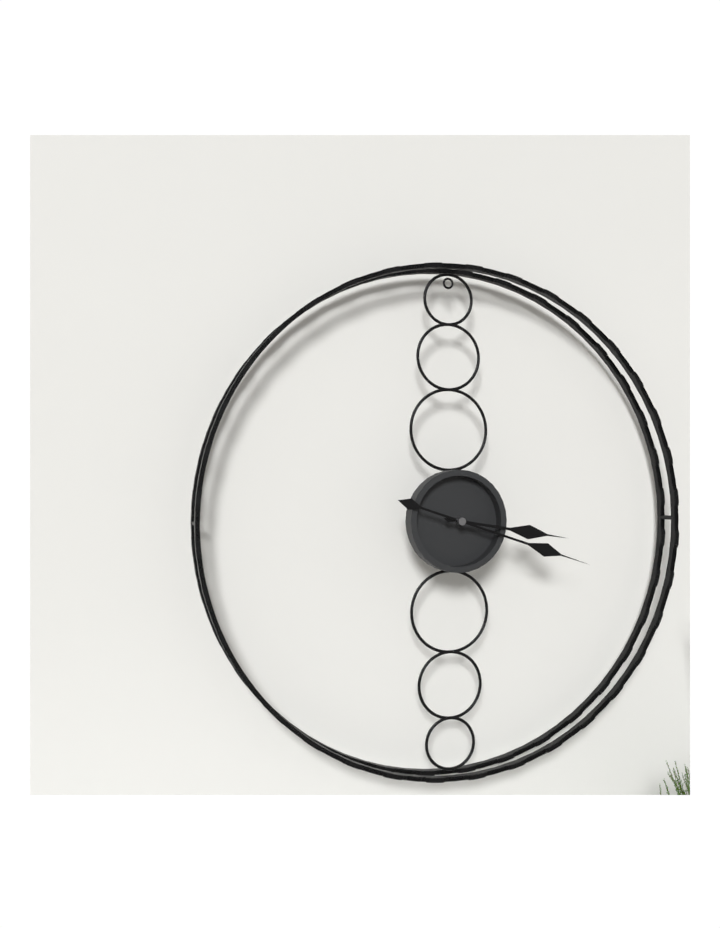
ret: 3:18
